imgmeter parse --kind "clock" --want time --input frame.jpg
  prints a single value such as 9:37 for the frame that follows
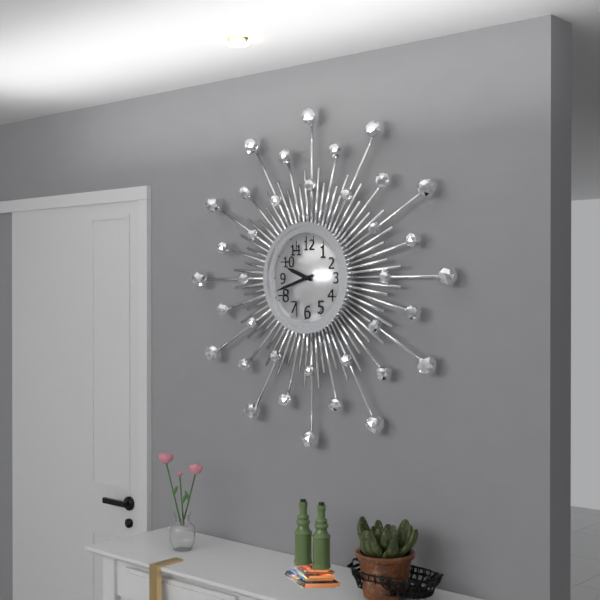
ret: 9:42
